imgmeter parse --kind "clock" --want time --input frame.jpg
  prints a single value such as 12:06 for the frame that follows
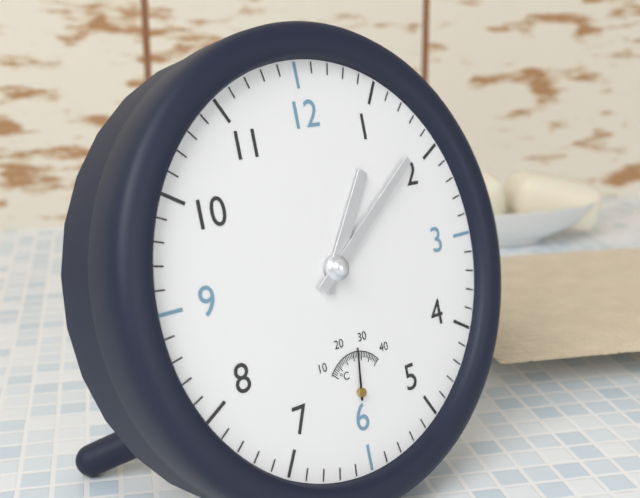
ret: 1:09
